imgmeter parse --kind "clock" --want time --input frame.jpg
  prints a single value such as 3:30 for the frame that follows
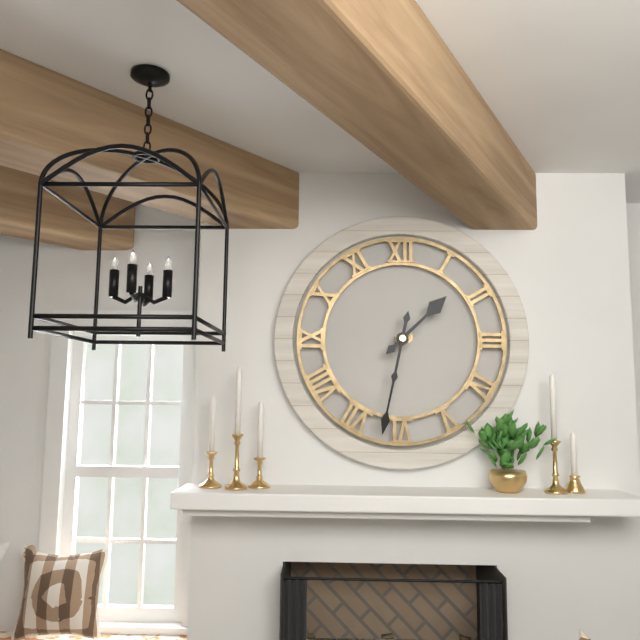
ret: 1:32
